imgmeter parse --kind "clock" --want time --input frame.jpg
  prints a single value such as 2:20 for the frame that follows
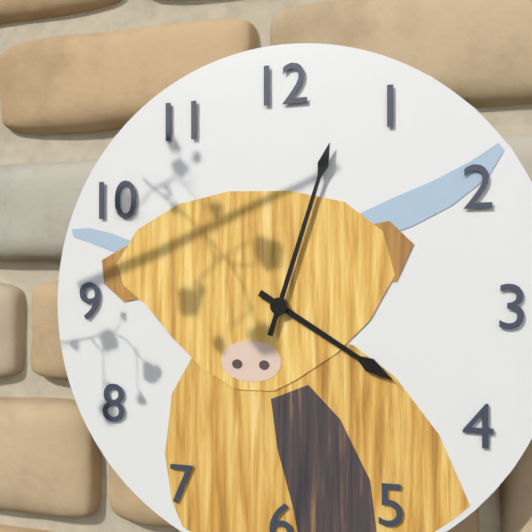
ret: 4:03
